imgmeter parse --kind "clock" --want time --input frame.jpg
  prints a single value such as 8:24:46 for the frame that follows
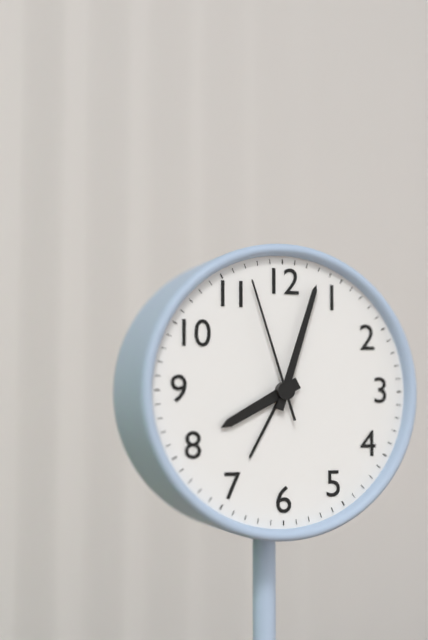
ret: 8:03:57
